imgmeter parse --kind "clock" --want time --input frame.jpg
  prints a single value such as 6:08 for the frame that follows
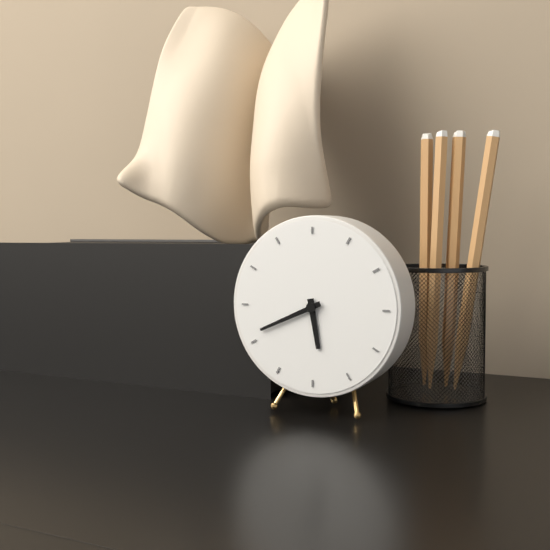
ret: 5:41
